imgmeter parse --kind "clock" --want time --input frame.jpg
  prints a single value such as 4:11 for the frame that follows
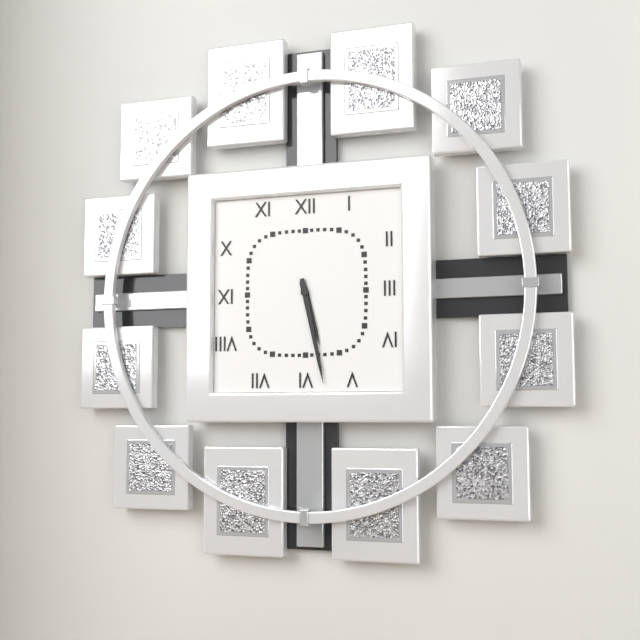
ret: 5:28
